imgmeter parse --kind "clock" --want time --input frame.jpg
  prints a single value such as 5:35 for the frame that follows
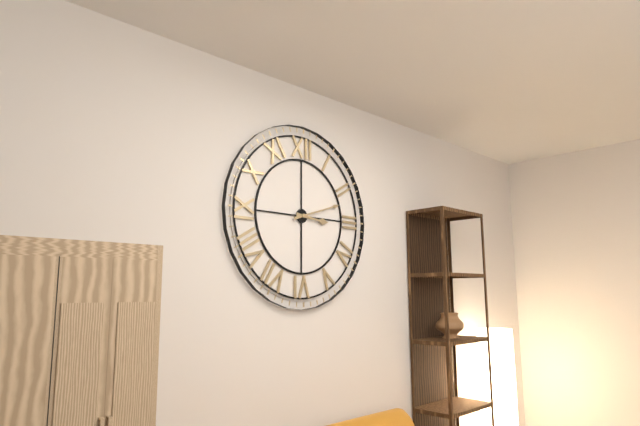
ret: 3:12
